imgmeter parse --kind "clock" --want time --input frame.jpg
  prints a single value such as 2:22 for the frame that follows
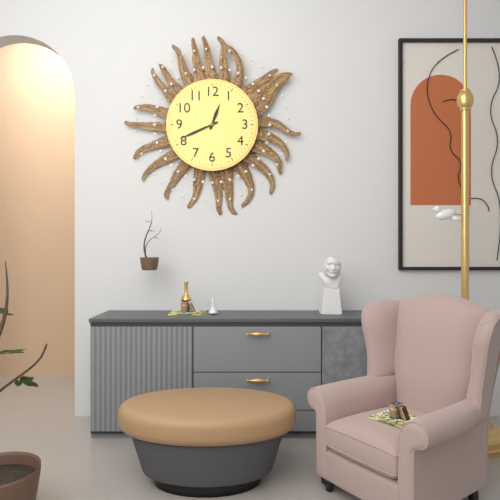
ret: 12:41
